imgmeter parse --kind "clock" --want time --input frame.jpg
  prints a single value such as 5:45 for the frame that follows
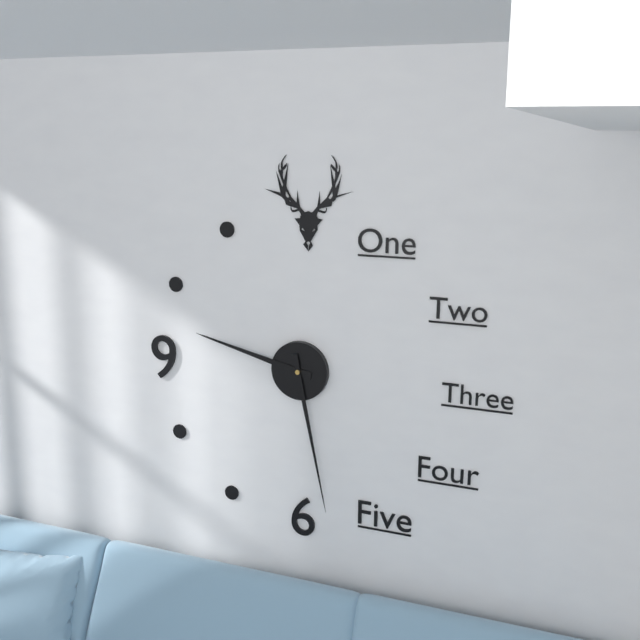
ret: 9:28
